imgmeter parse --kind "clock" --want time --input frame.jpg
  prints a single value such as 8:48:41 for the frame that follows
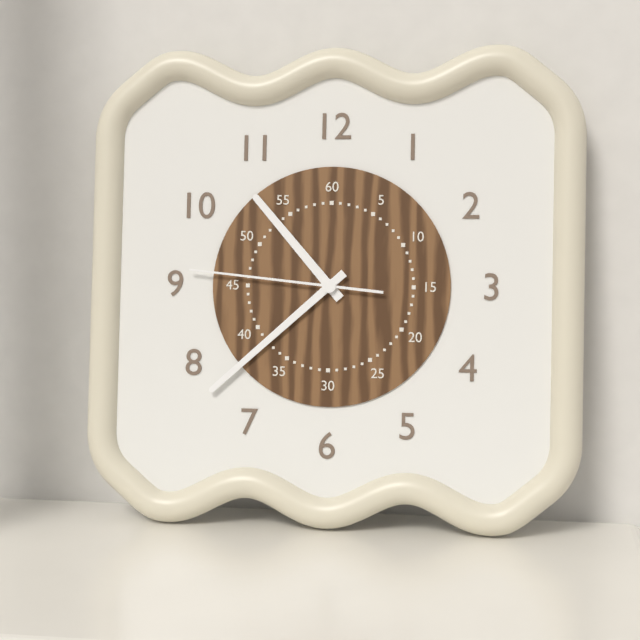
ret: 10:38:46
